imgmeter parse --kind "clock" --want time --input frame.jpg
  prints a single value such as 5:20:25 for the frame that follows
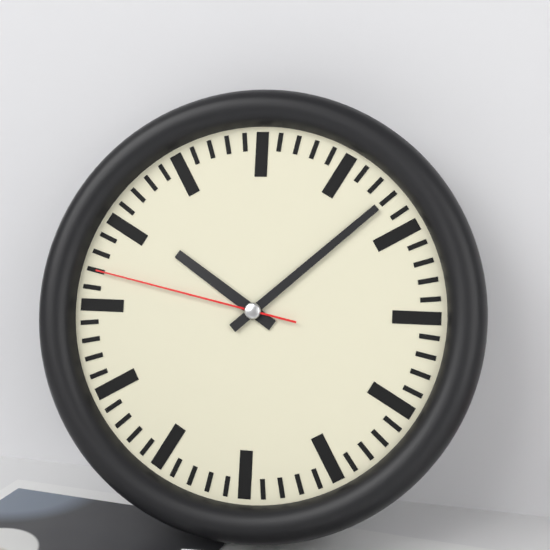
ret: 10:08:47
